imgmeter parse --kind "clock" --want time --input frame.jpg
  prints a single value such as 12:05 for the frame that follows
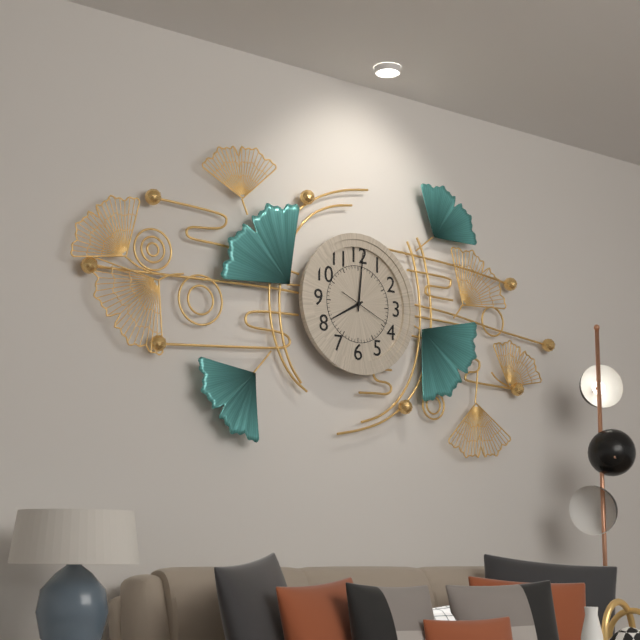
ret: 8:01
